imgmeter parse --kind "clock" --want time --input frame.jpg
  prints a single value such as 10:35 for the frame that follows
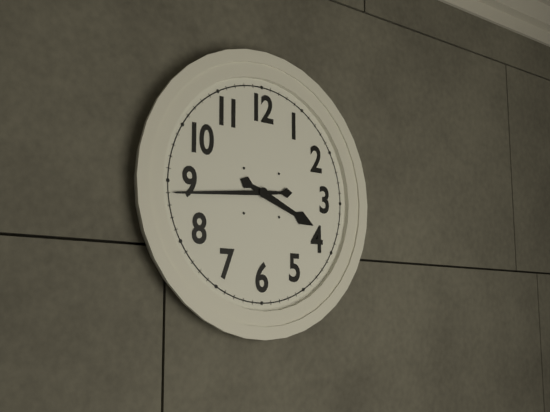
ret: 3:44
